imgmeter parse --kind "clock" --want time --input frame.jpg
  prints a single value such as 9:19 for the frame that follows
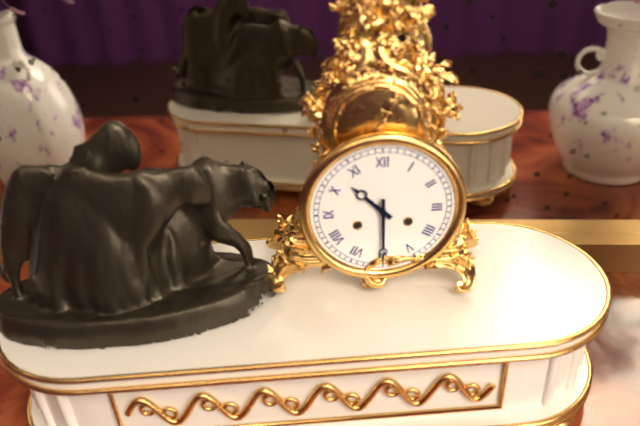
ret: 10:30
